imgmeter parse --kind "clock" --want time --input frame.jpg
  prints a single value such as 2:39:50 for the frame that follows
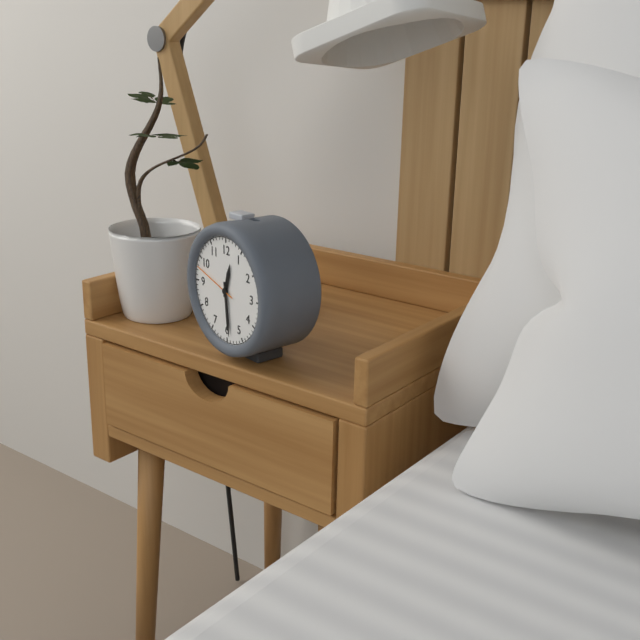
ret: 12:29:48
